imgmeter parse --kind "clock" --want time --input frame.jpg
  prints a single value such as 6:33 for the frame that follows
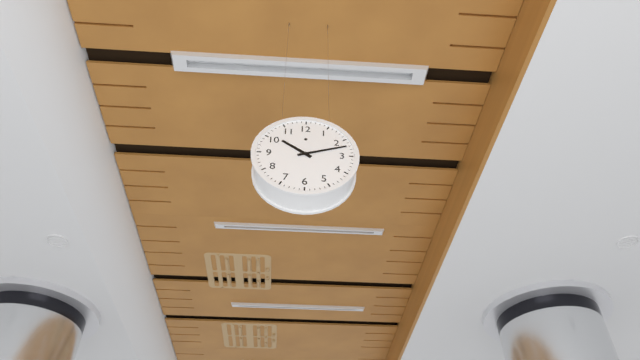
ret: 10:12
